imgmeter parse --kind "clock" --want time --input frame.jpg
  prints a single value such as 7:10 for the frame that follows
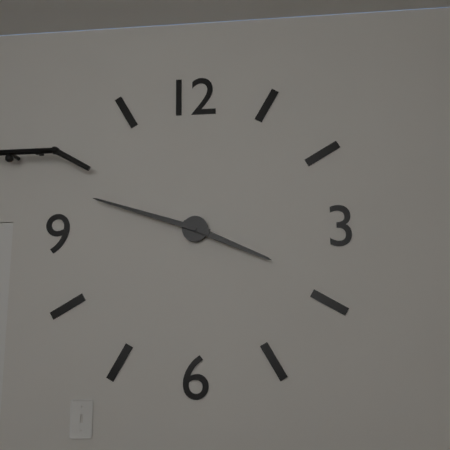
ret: 3:48
